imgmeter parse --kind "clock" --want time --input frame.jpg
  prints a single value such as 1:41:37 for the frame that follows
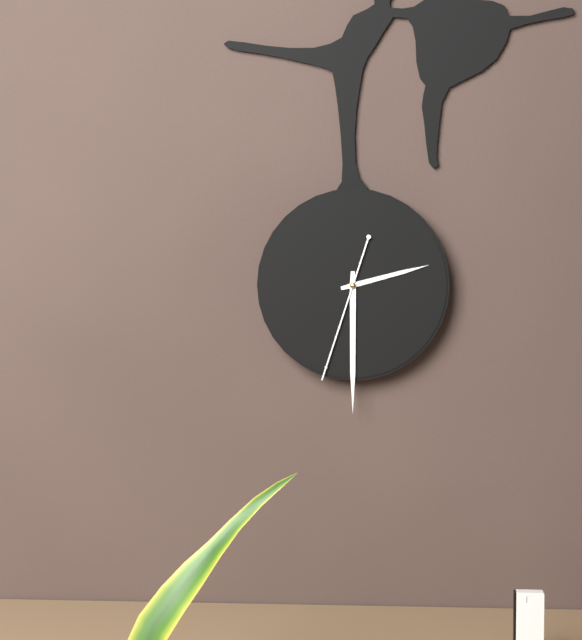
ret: 2:30:33
